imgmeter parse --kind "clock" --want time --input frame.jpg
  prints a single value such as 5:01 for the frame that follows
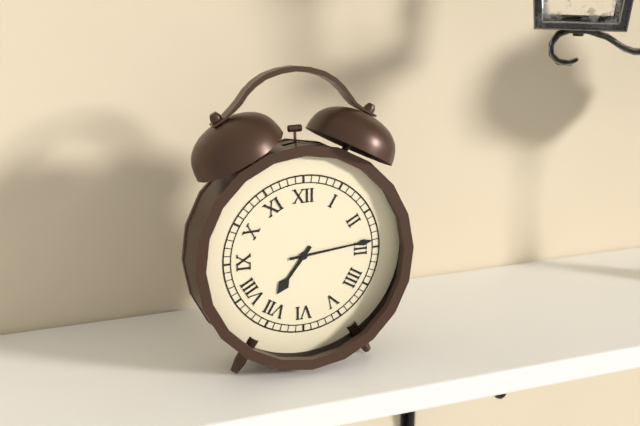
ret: 7:14
